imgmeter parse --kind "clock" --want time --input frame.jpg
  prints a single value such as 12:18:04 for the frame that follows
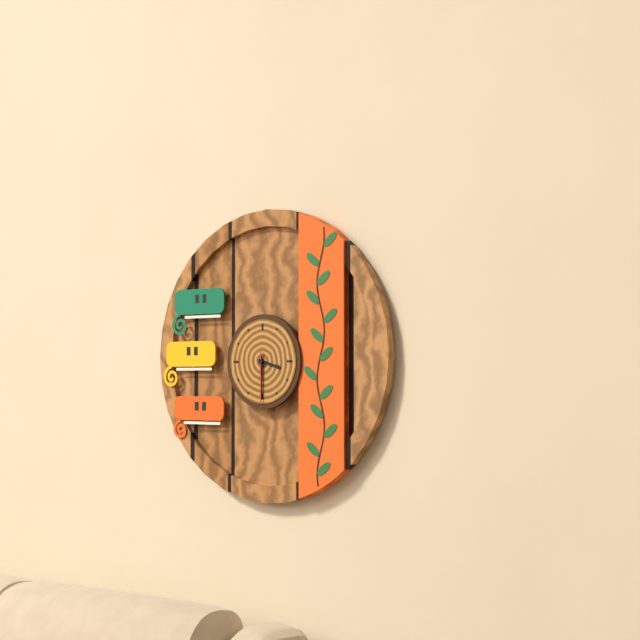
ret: 3:30:30
